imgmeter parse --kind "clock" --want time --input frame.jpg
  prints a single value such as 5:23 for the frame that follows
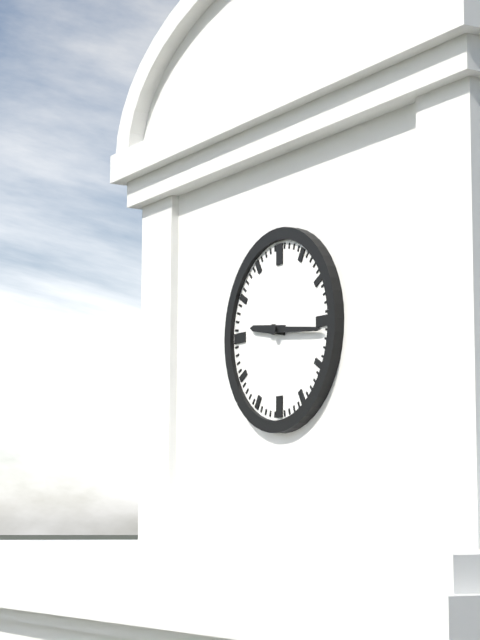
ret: 9:16
